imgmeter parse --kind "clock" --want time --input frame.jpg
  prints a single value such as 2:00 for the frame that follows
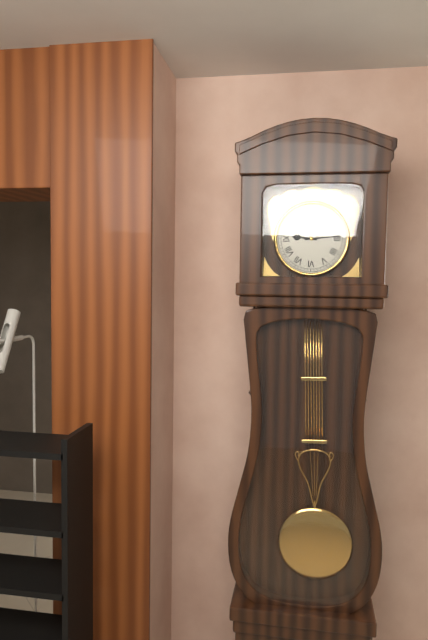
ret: 9:14
